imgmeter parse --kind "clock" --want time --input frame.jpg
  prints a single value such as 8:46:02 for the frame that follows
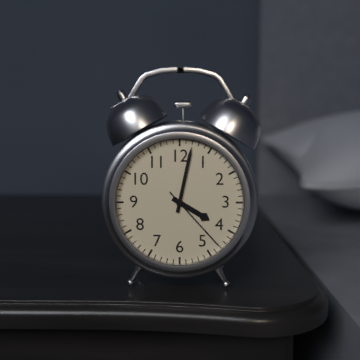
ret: 4:02:23
